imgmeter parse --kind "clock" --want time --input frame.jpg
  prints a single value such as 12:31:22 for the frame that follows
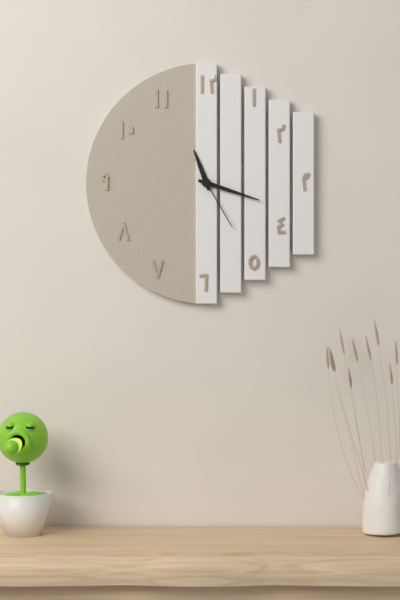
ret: 11:18:25
